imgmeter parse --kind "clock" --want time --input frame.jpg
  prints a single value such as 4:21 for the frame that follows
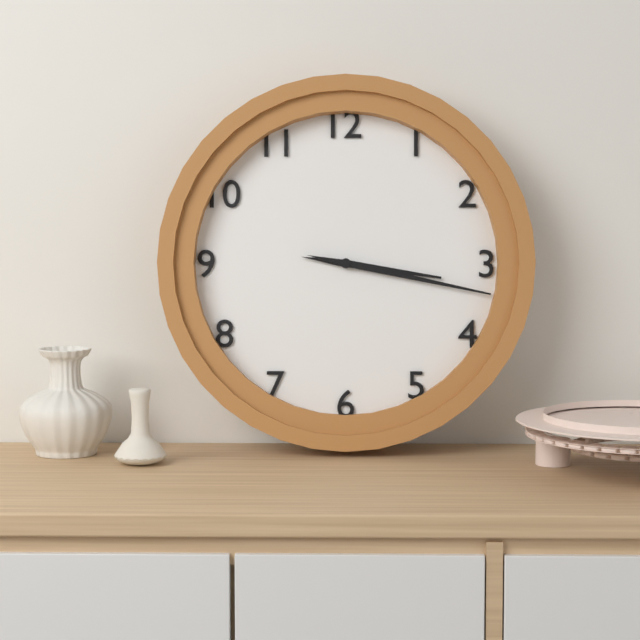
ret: 3:17
